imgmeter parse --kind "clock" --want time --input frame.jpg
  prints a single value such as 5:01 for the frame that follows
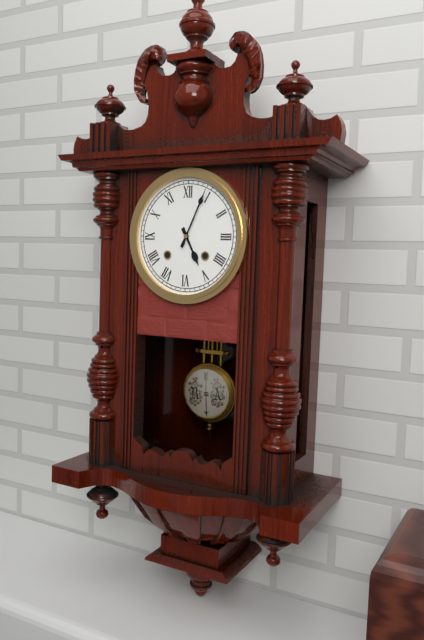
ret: 5:04
